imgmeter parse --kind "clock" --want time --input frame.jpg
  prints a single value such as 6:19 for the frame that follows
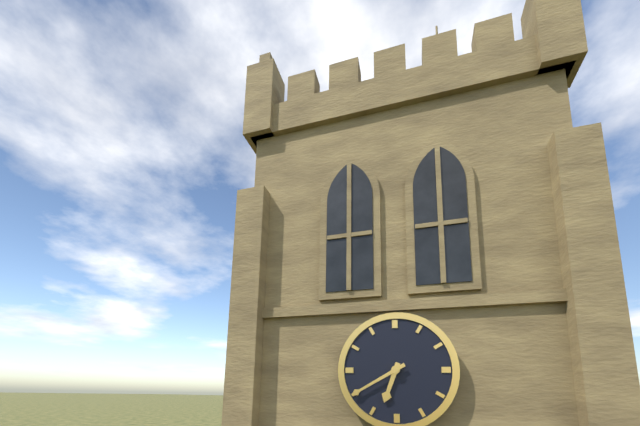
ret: 6:40
